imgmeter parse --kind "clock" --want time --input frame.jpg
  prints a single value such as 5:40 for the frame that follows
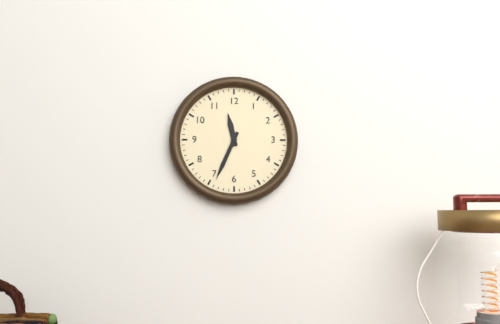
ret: 11:34
